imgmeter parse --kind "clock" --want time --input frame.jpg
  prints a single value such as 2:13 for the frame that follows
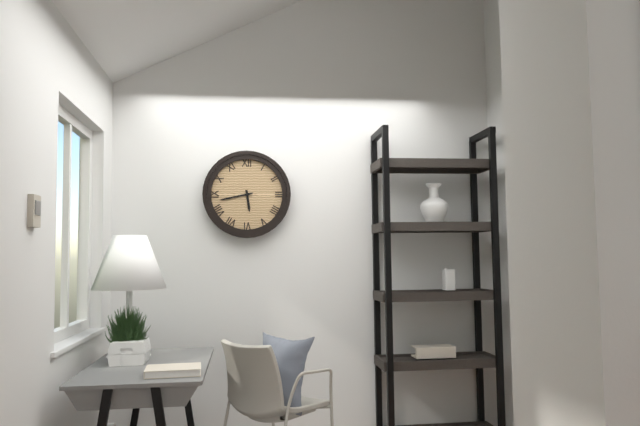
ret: 5:43
